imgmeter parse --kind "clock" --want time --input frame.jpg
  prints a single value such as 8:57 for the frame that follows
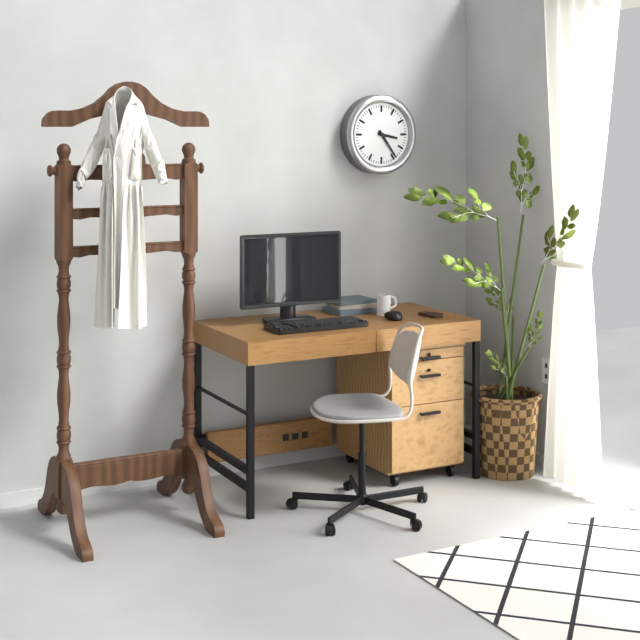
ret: 3:24
